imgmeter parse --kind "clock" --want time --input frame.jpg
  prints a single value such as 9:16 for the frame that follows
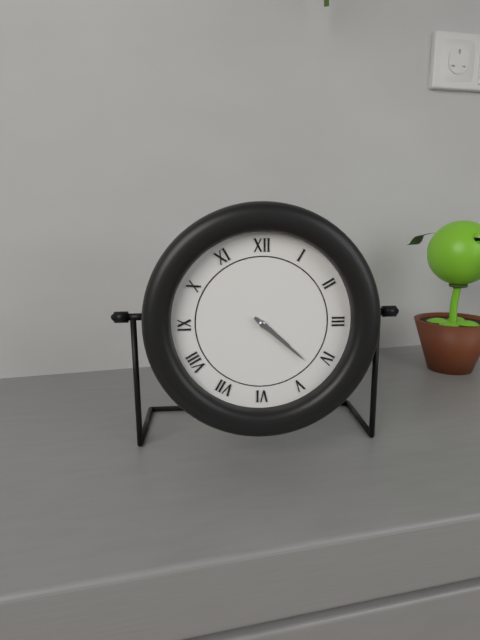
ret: 4:22
